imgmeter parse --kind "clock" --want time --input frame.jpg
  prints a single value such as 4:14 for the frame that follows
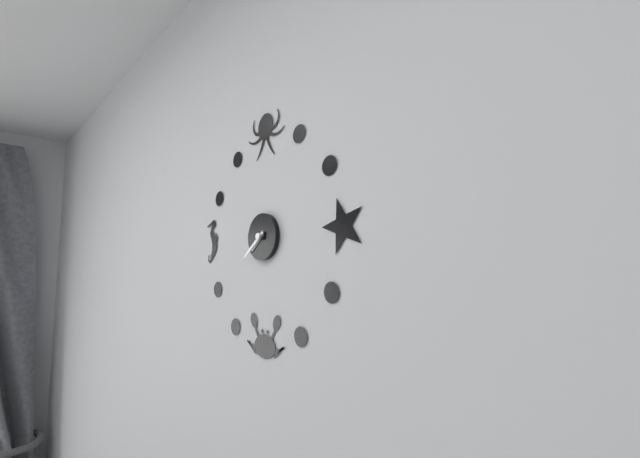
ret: 7:39
